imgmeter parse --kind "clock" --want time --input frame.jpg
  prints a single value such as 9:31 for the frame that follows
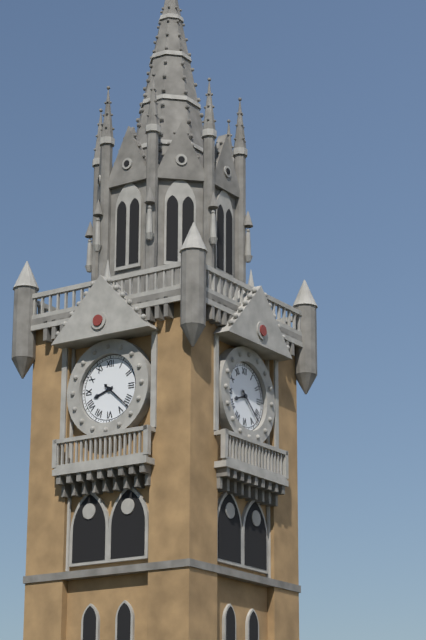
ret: 8:22
